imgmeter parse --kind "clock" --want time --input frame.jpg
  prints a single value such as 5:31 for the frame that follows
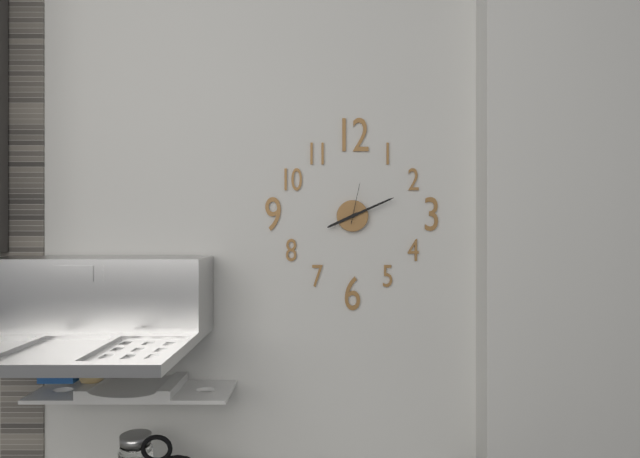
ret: 8:11
